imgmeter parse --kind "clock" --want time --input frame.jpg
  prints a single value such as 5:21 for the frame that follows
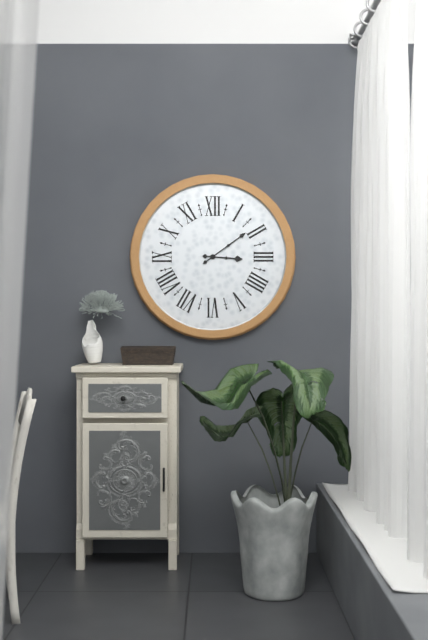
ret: 3:09
